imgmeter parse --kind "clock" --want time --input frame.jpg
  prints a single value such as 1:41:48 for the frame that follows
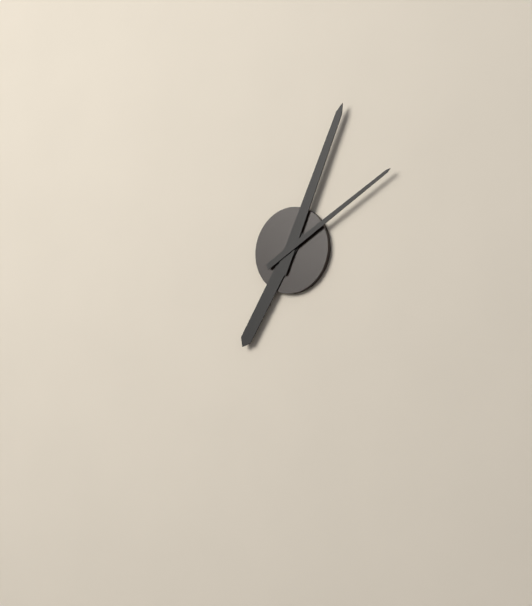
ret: 7:04:10
